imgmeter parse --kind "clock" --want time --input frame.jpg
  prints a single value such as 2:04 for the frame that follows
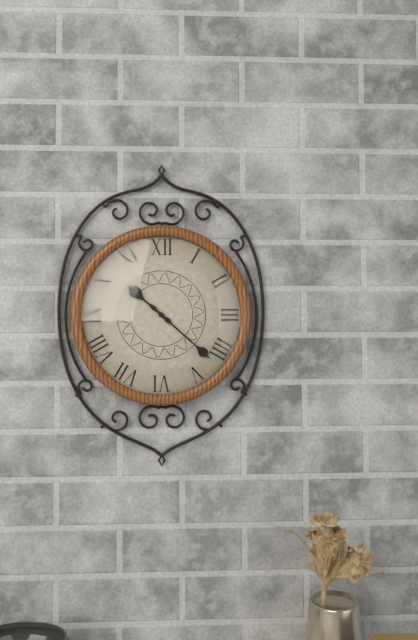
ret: 10:22
